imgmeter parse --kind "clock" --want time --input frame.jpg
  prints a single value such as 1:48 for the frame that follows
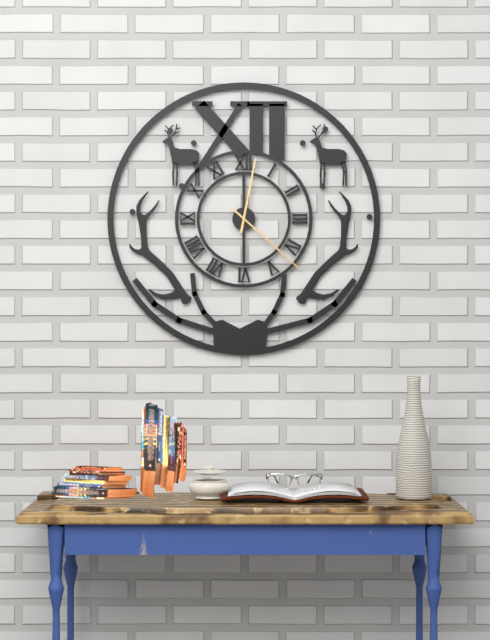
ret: 12:22
